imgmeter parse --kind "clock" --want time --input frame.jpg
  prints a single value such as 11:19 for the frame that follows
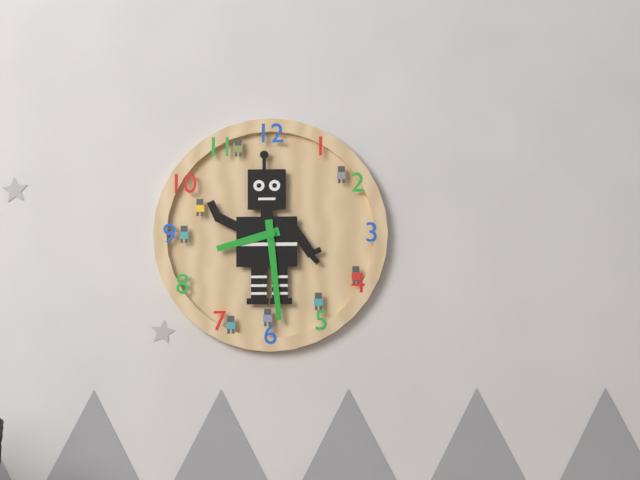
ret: 8:29
